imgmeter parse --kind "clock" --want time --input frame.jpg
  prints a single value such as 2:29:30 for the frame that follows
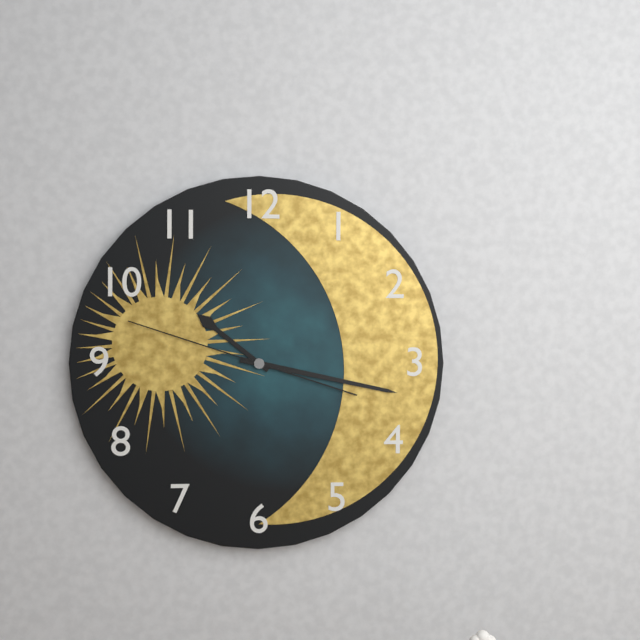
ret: 10:17:48
